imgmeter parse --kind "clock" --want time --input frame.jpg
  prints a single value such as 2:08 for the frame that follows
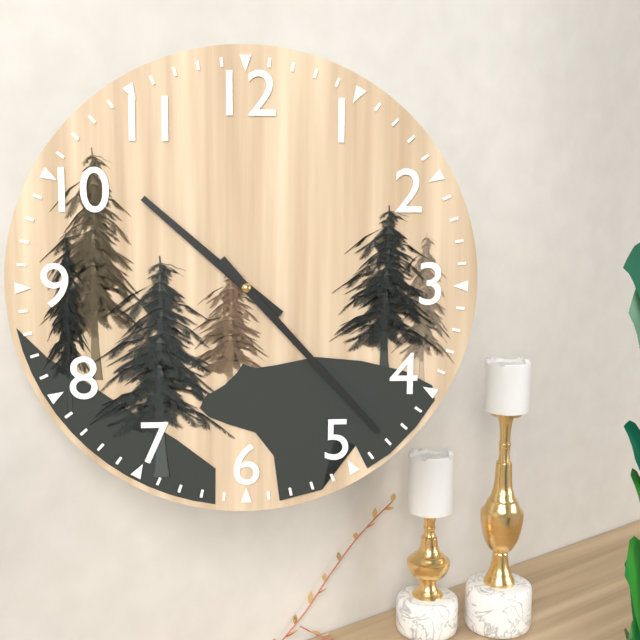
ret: 10:23
